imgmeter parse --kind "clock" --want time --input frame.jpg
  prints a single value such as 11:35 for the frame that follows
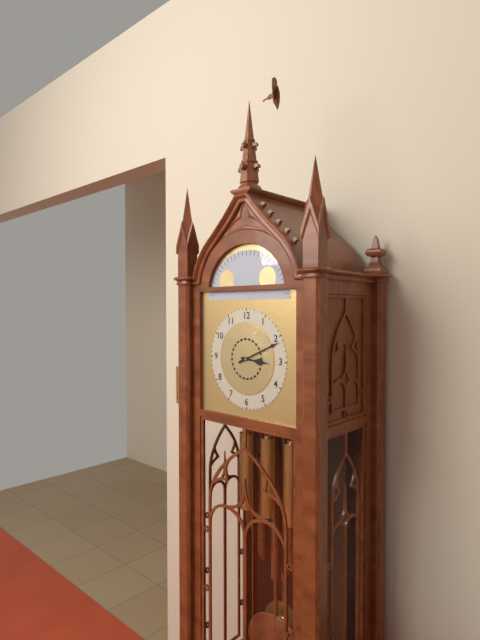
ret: 3:11
